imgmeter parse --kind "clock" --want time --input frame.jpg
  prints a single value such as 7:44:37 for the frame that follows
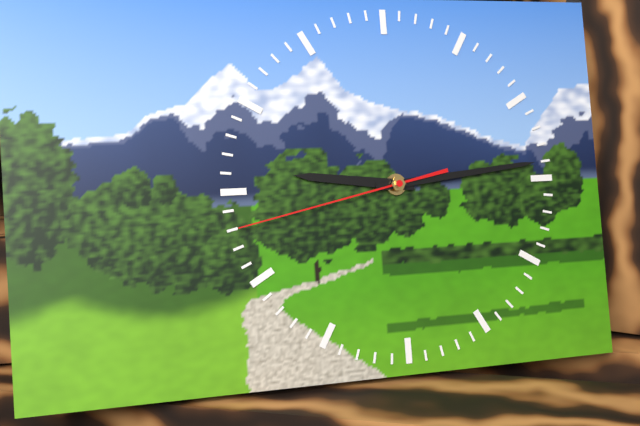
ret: 9:14:43
